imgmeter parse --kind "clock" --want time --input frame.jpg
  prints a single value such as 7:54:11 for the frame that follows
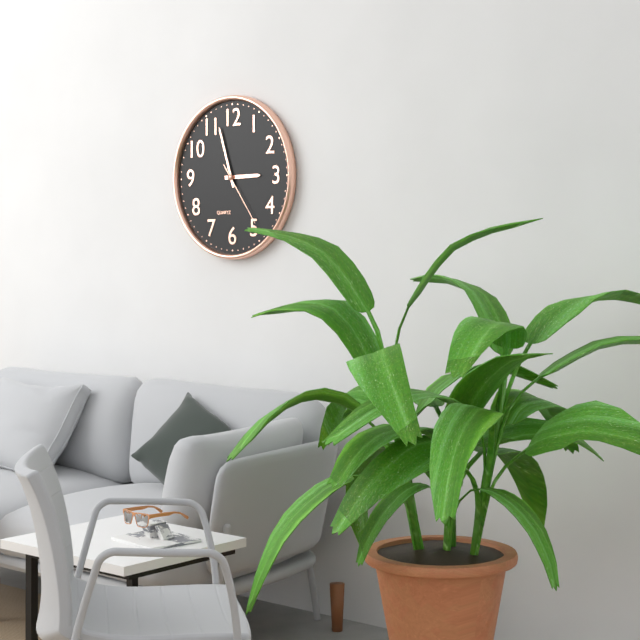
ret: 2:57:24
